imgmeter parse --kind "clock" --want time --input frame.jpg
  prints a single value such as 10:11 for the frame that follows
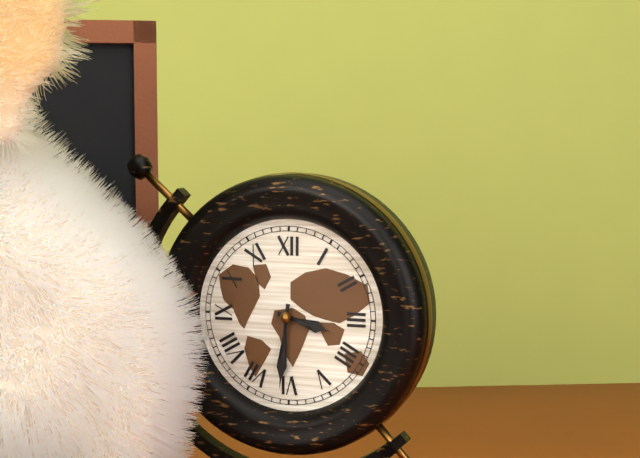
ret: 3:31
